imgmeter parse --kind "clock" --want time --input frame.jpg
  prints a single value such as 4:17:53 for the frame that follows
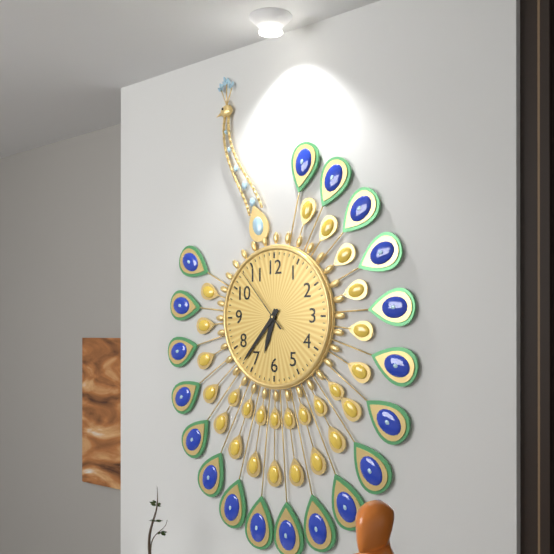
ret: 6:37:53
